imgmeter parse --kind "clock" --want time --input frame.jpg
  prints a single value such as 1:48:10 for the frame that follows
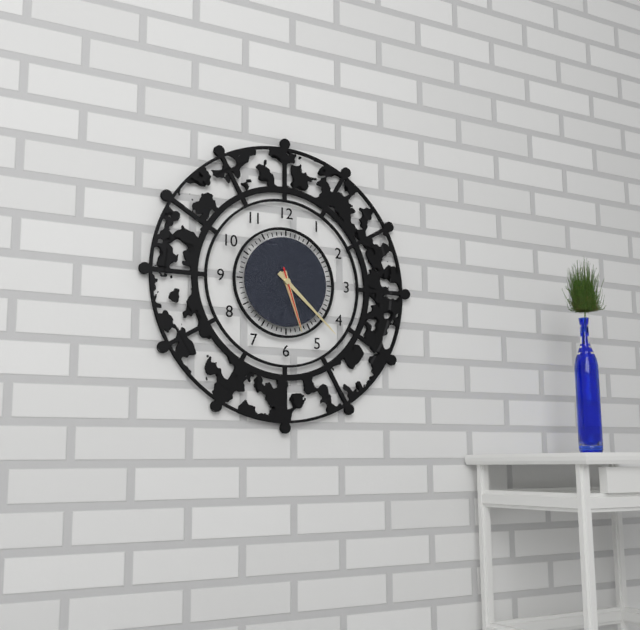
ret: 5:22:27
